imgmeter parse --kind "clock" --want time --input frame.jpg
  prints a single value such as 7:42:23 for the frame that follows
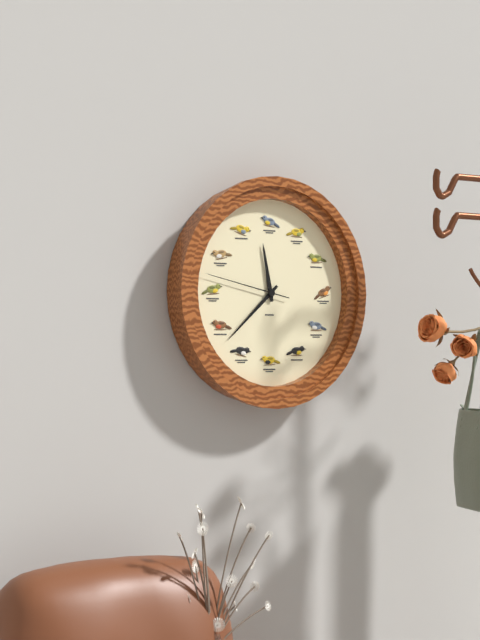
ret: 11:38:47
